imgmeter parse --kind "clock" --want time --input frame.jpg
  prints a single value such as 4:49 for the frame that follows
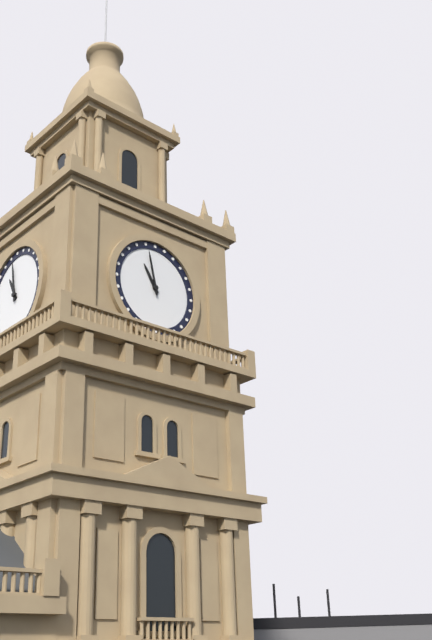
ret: 10:58
